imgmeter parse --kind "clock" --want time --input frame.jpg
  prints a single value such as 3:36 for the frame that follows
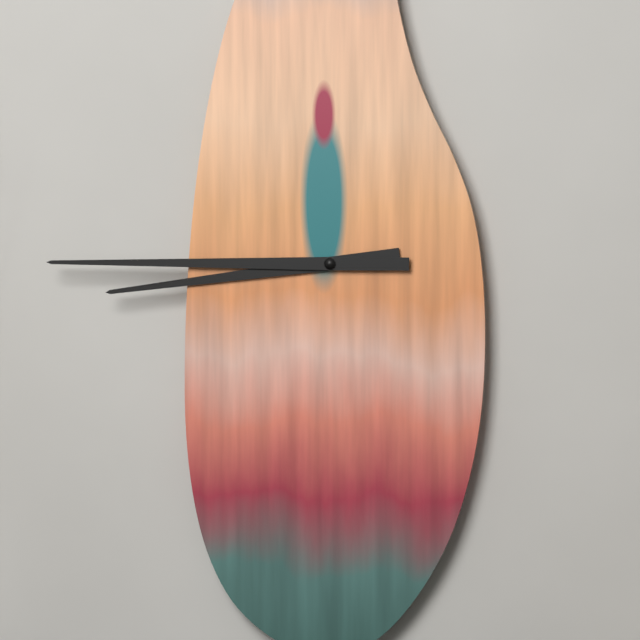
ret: 8:45
